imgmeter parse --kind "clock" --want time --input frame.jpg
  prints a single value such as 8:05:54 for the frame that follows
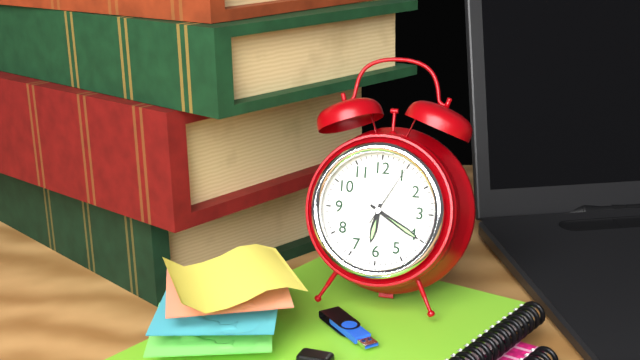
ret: 6:20:05
